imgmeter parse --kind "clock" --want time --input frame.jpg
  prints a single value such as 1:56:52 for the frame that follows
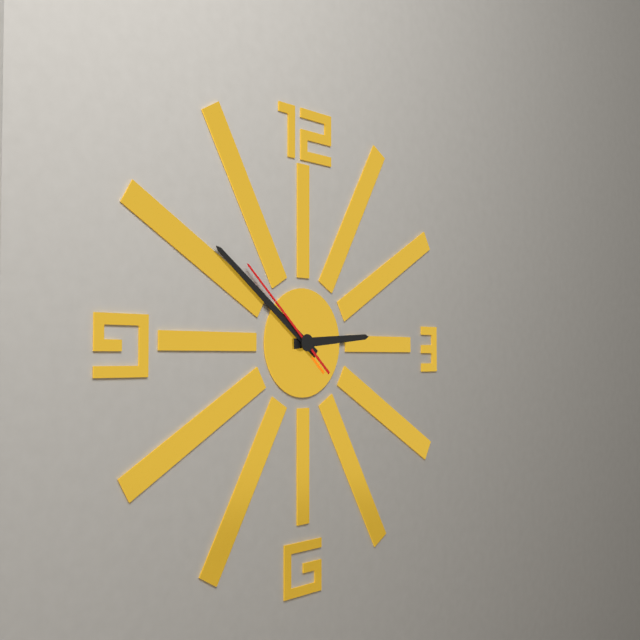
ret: 2:51:52
